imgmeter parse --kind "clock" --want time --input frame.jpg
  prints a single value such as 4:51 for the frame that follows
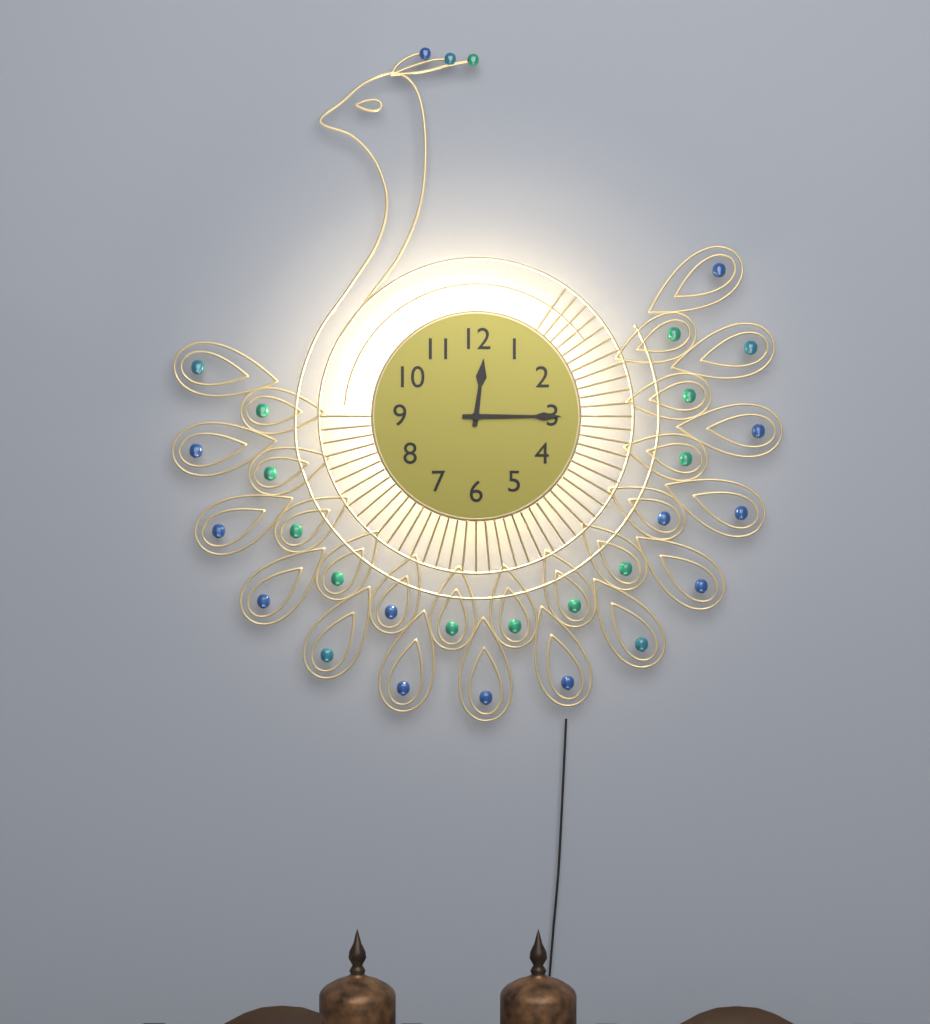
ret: 12:15
